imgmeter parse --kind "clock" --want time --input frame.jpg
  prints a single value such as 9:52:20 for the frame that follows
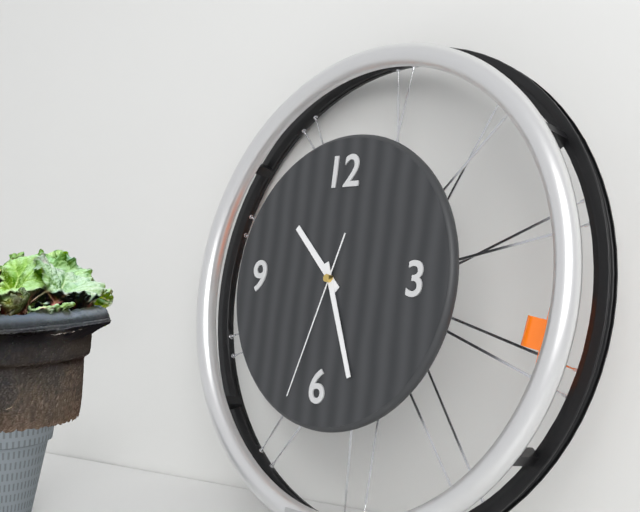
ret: 10:26:33
